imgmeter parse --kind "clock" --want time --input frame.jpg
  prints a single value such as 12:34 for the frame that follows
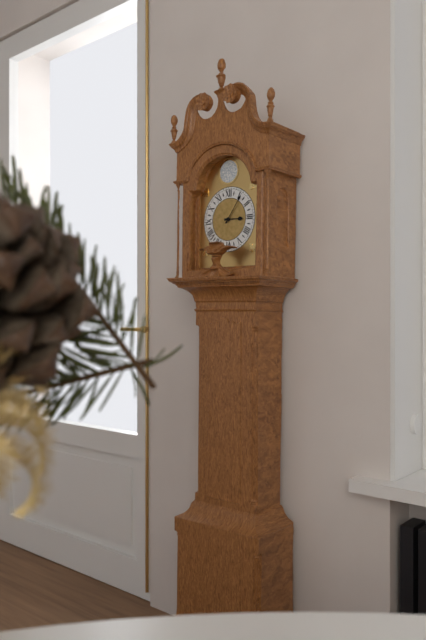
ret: 3:06
